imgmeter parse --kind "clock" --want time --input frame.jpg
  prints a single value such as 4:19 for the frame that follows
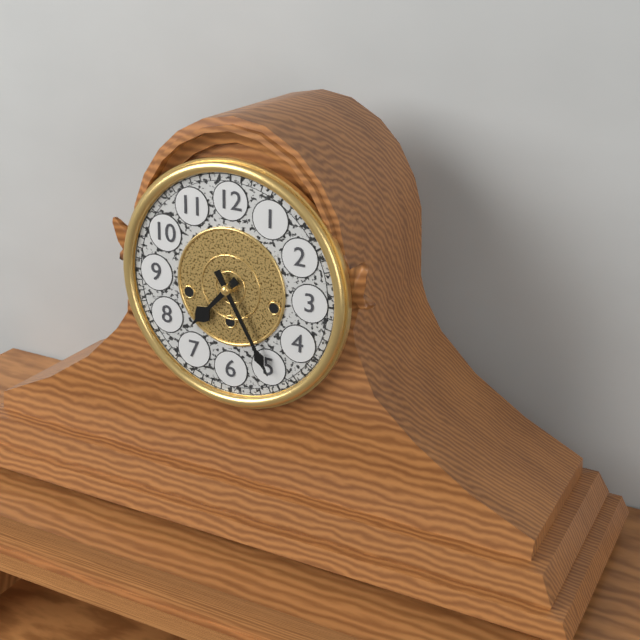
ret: 7:25
